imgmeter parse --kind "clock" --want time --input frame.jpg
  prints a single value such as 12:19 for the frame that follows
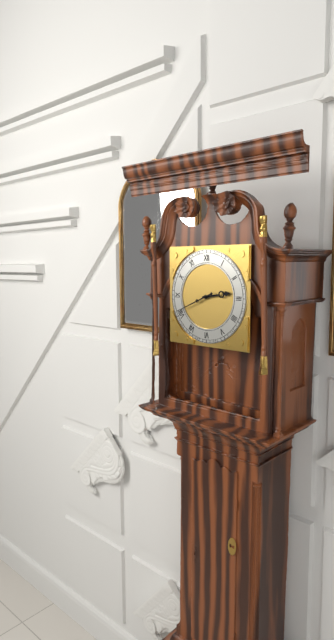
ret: 2:41
